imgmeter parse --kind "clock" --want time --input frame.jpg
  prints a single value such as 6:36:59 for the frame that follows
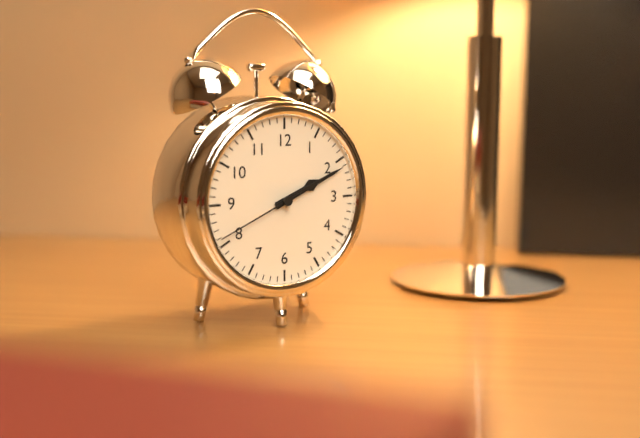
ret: 2:11:41
